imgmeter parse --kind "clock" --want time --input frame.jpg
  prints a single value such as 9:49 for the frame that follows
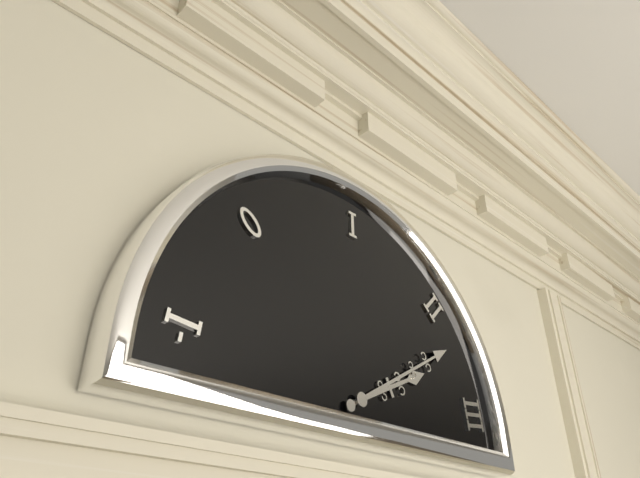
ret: 2:10
